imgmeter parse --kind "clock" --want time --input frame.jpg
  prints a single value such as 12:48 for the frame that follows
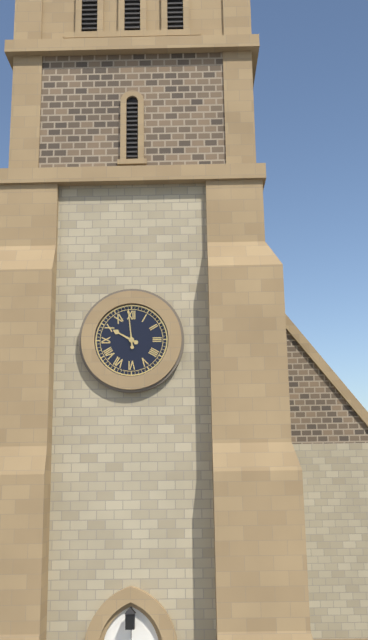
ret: 9:59
